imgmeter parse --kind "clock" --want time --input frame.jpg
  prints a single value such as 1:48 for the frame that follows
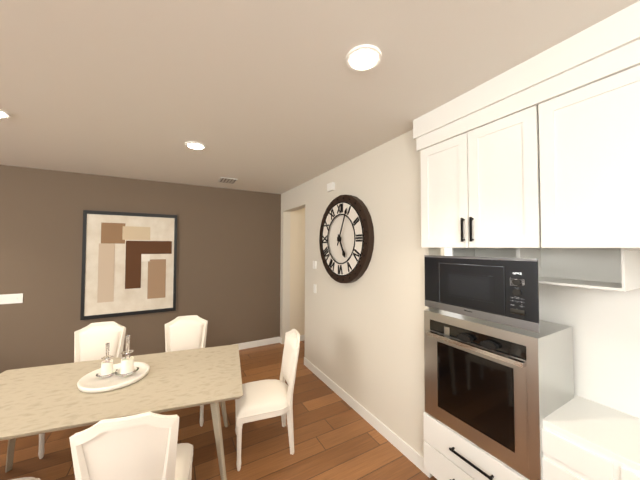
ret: 5:04
